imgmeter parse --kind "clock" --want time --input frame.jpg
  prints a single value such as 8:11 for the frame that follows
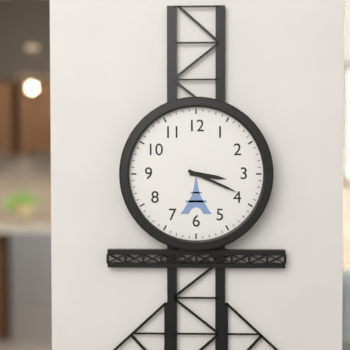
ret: 3:19
